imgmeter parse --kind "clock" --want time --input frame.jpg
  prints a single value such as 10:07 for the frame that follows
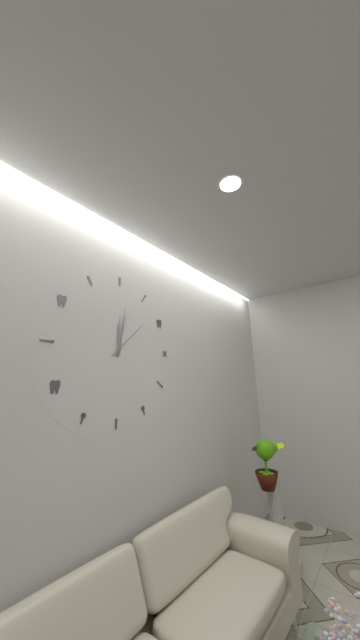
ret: 12:02
